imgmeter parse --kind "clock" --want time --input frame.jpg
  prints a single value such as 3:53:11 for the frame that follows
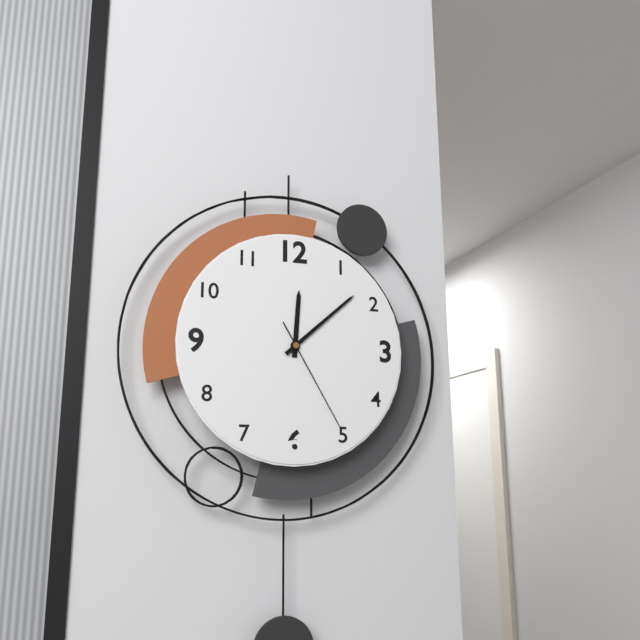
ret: 12:08:25
